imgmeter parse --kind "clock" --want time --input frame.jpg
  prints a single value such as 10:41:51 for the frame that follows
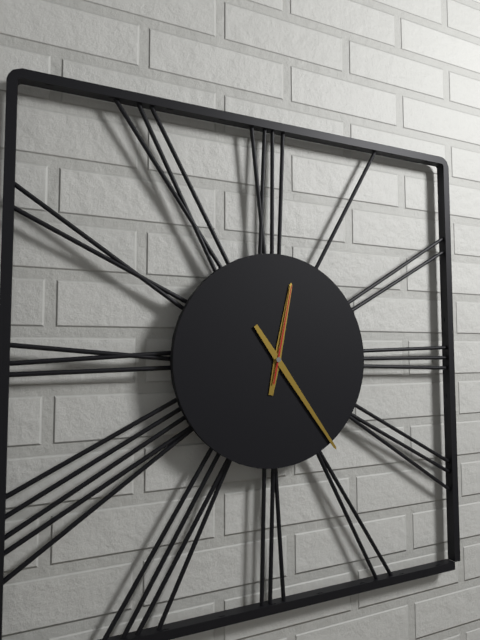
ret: 12:24:02
